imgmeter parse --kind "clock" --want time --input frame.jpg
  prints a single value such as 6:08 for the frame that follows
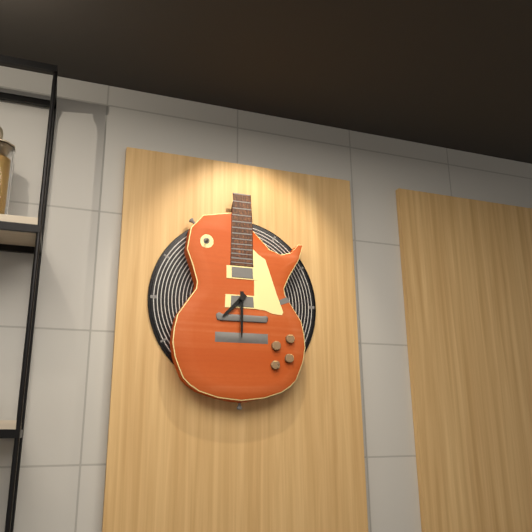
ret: 7:30
